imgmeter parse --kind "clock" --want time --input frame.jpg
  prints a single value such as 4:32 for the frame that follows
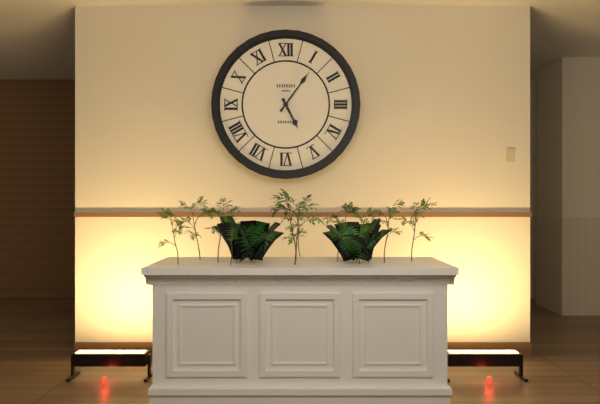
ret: 5:06
